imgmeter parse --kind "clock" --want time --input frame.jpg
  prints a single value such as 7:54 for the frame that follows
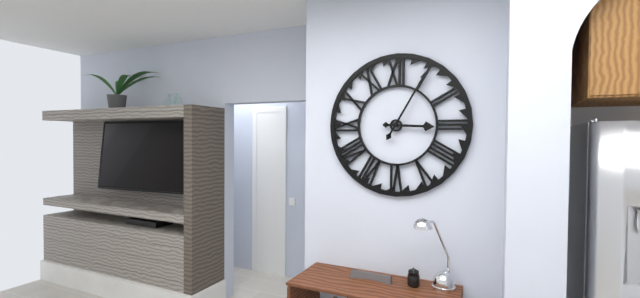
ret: 3:05
